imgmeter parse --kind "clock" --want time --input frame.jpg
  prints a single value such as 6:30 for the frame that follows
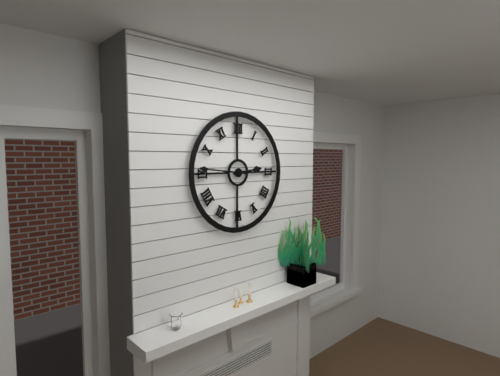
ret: 2:46
